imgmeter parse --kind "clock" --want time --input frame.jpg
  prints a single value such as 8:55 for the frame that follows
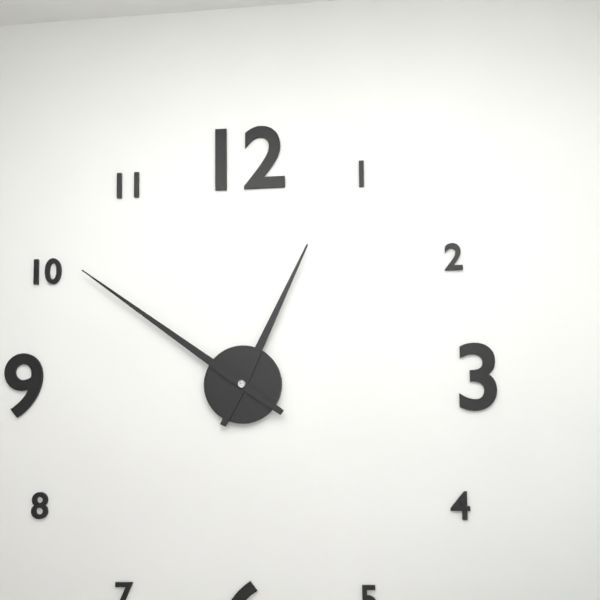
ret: 12:51
